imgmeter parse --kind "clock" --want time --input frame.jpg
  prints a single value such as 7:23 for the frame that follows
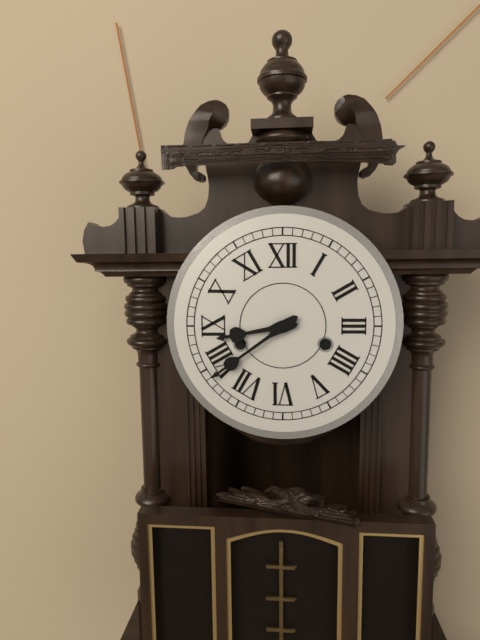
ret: 8:39
